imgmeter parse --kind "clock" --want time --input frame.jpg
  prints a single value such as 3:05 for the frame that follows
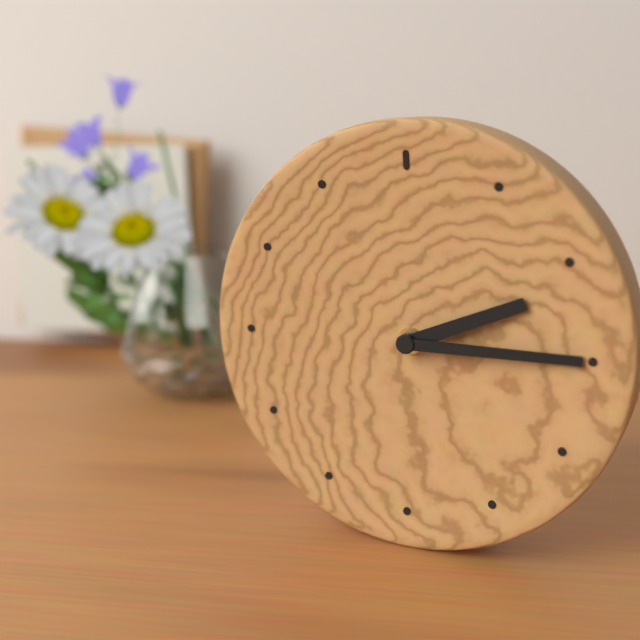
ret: 2:15
